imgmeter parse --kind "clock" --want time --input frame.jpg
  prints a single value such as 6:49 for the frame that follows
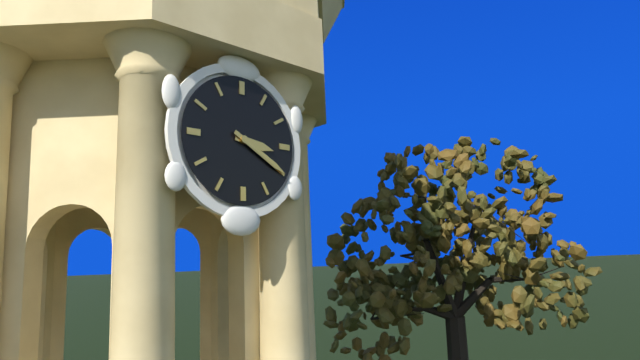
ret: 3:20
